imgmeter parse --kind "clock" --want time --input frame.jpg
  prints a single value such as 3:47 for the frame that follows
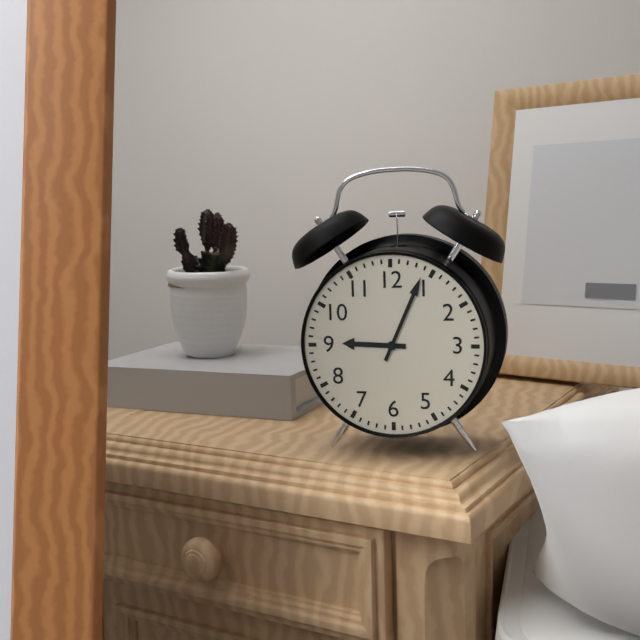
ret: 9:04
